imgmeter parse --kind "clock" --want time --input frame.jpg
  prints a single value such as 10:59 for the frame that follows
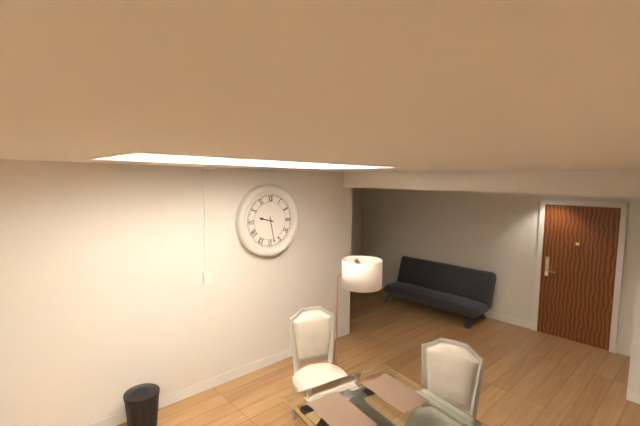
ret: 9:28
